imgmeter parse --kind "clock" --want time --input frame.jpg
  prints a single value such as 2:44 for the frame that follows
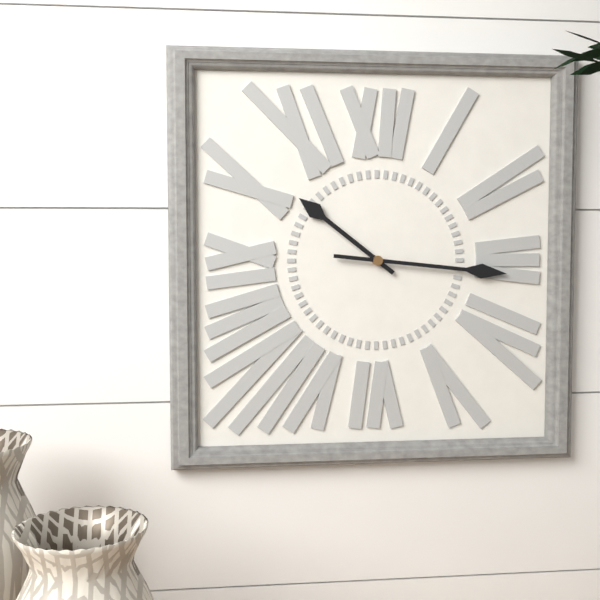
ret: 10:16
